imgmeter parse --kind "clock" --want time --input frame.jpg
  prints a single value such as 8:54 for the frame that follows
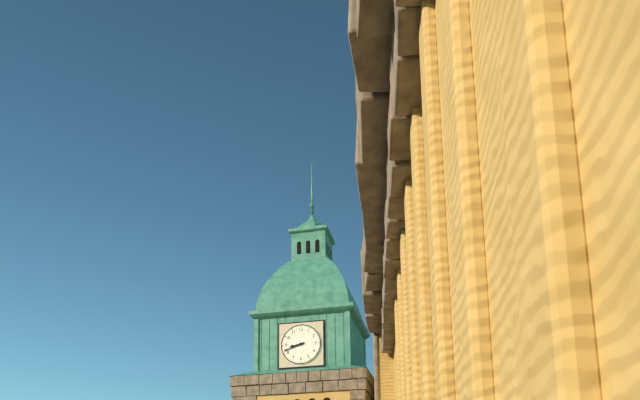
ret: 8:42
